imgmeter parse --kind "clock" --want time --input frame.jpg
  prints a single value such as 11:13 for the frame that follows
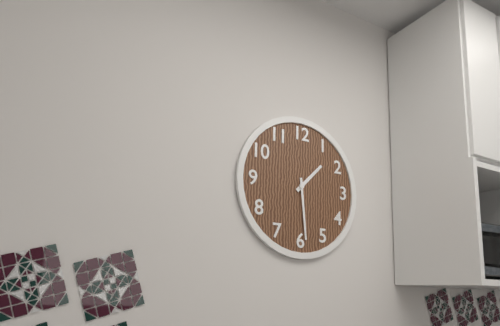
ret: 1:29
